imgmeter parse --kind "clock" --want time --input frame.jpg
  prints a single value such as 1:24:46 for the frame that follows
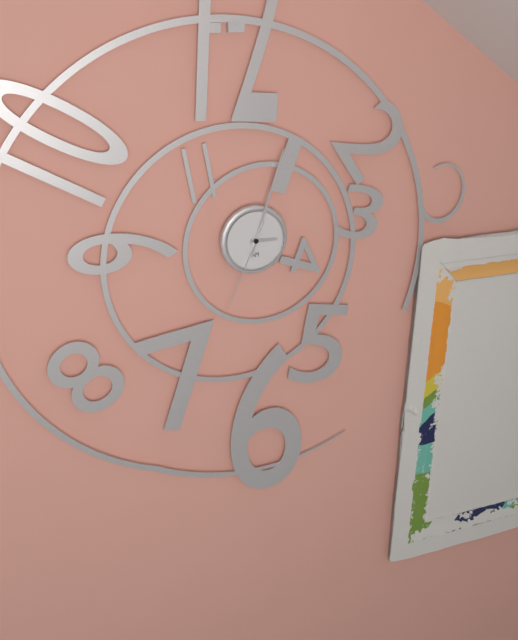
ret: 3:03:34
